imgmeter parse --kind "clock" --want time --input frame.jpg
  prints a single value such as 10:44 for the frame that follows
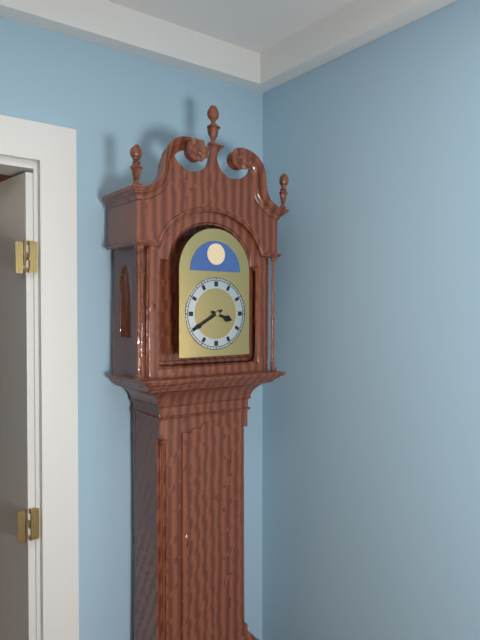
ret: 3:40
